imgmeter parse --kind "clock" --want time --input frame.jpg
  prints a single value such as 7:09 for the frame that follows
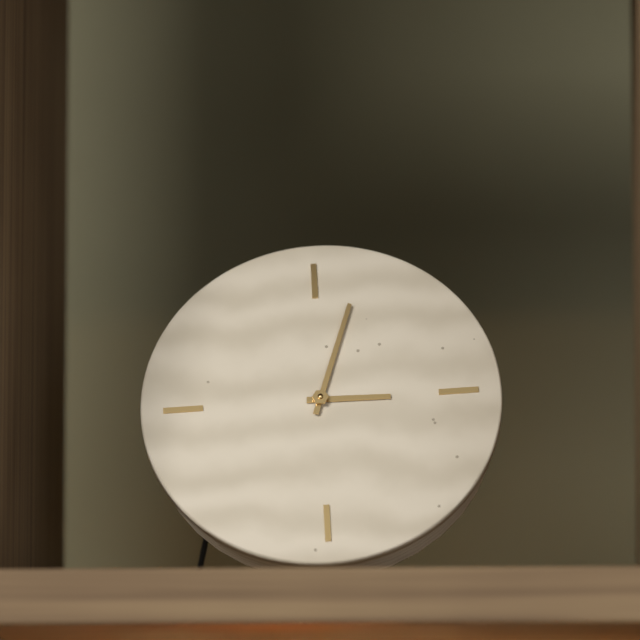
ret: 3:03
